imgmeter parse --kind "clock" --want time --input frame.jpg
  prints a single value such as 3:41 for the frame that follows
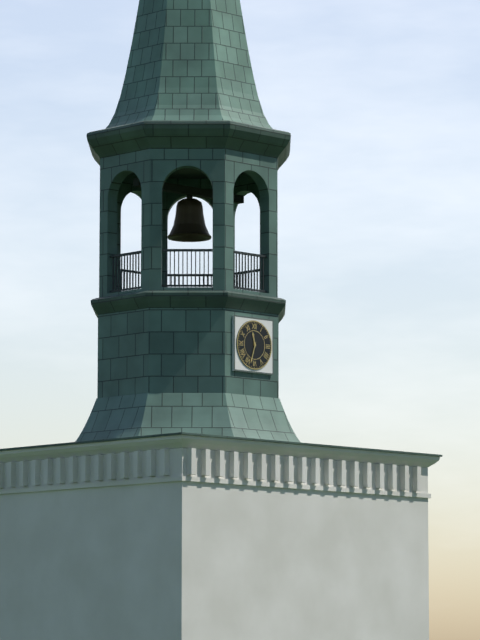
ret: 11:33
